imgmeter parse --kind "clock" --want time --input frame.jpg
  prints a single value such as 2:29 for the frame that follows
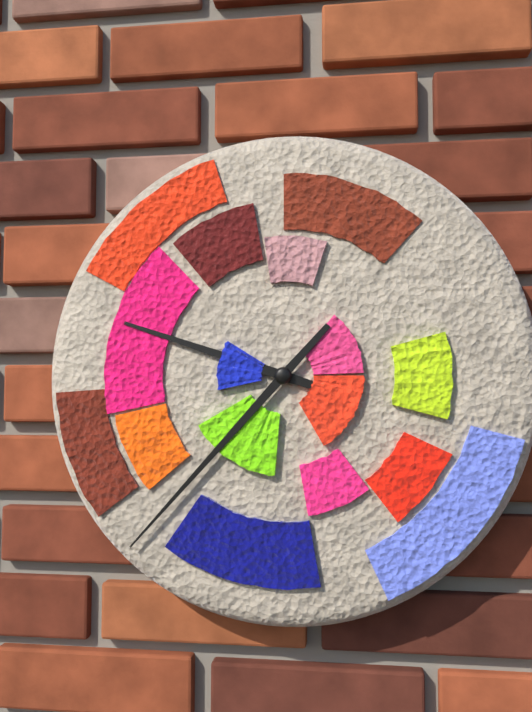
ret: 9:37
